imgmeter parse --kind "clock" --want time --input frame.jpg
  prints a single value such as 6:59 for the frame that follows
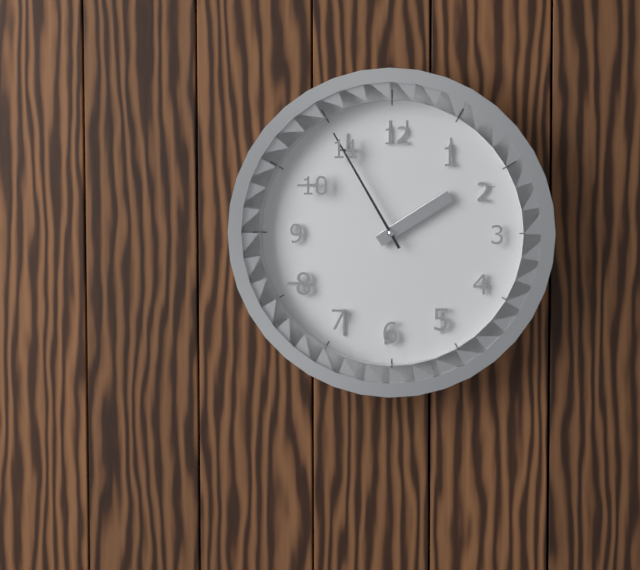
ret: 1:55
